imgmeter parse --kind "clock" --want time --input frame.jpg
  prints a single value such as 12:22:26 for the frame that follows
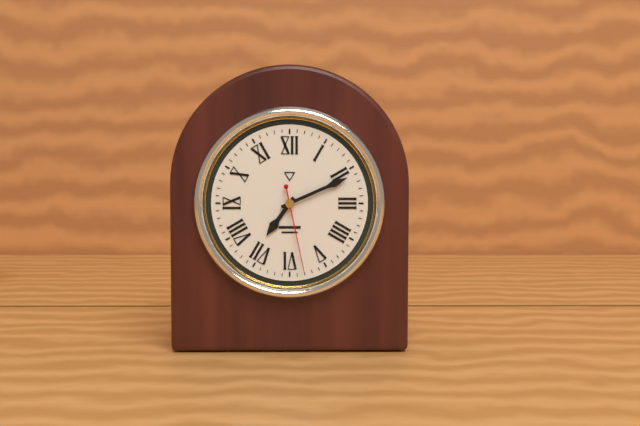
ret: 7:11:28
